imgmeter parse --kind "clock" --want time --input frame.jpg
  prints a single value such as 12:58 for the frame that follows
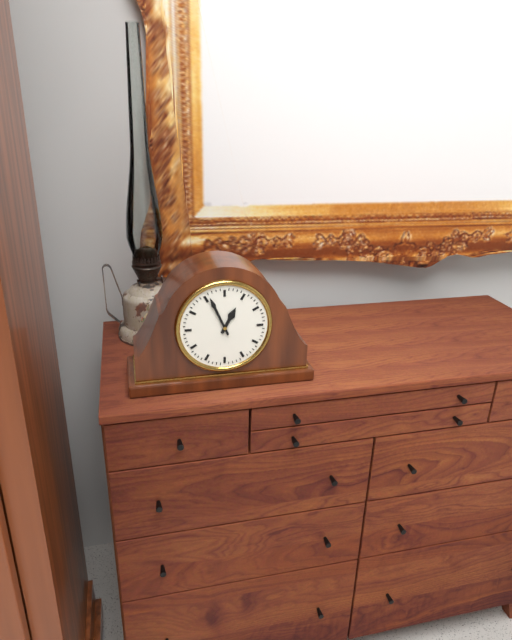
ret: 12:56
